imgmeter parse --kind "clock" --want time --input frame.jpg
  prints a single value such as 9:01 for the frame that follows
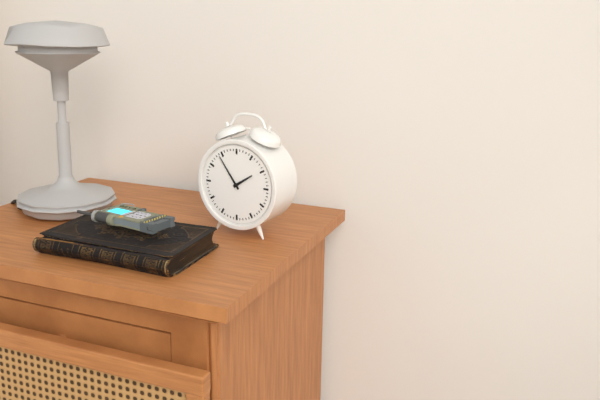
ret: 1:54
